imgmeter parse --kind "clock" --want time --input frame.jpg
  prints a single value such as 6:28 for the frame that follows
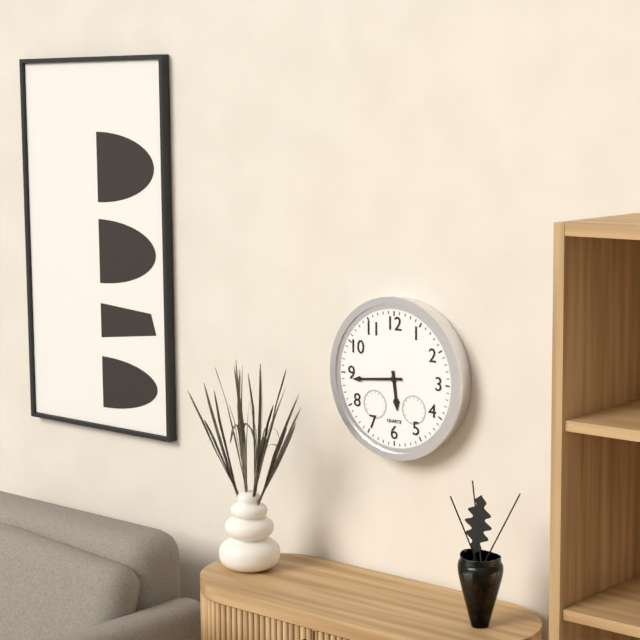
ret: 5:44
